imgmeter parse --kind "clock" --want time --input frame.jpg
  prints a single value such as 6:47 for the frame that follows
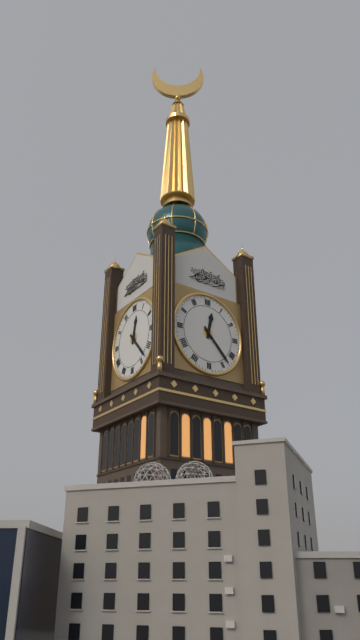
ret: 12:23
